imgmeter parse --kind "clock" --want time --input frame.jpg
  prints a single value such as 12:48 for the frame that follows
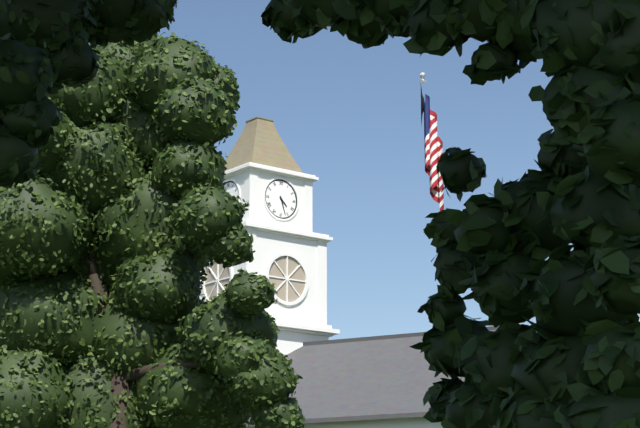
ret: 4:27
